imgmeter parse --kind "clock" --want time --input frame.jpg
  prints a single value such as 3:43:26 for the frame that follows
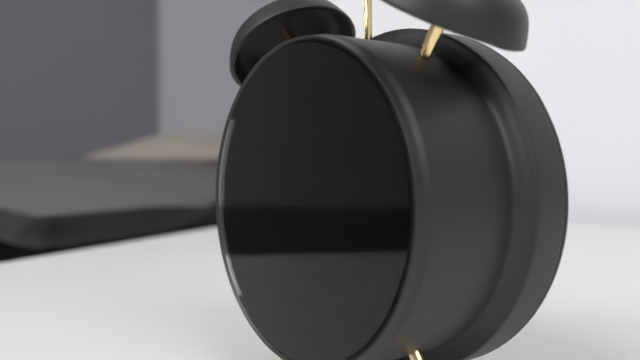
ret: 3:20:18
